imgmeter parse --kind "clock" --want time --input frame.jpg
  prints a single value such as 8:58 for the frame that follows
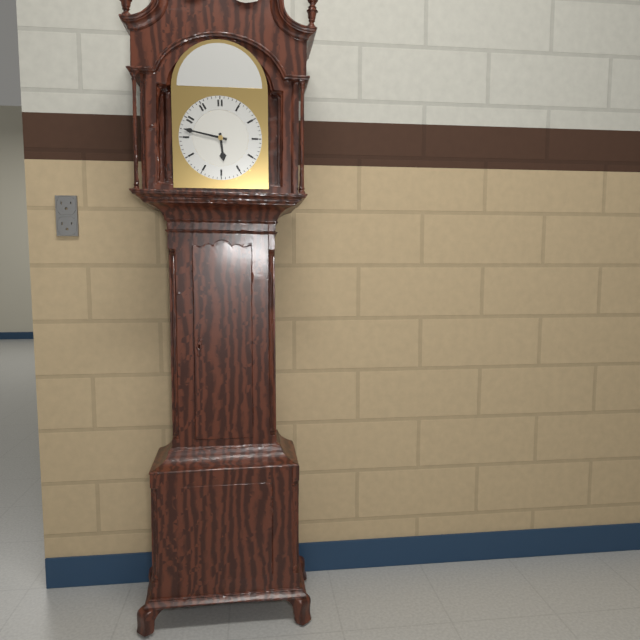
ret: 5:47
